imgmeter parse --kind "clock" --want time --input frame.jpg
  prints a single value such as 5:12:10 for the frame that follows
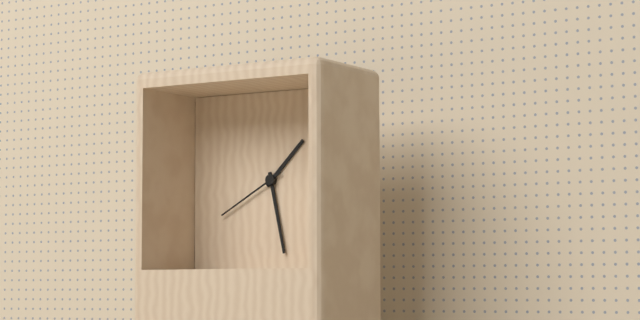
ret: 1:28:40
